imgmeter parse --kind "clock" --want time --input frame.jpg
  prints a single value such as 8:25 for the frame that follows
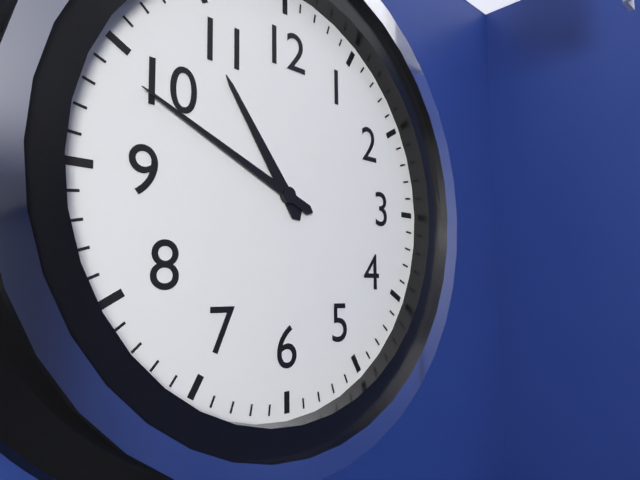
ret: 10:49
